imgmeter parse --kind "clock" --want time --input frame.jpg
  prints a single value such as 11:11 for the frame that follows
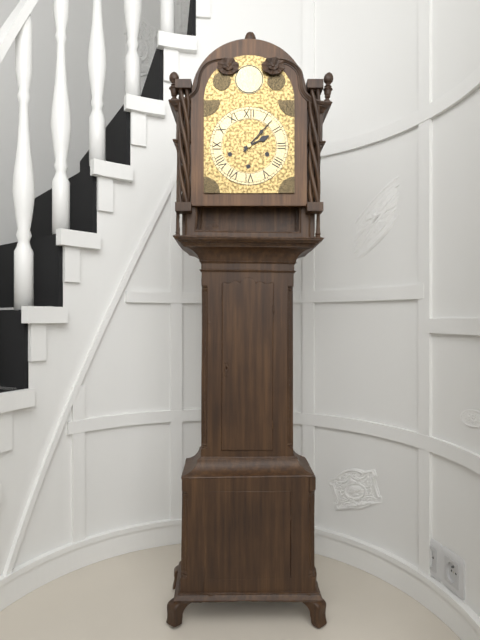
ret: 2:07
